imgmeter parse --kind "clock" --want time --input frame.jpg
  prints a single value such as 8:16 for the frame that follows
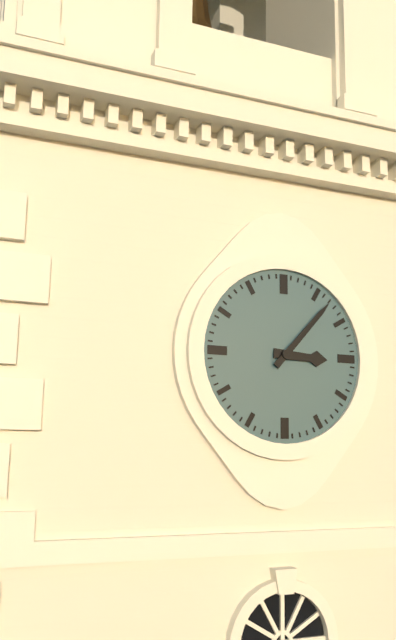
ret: 3:07
